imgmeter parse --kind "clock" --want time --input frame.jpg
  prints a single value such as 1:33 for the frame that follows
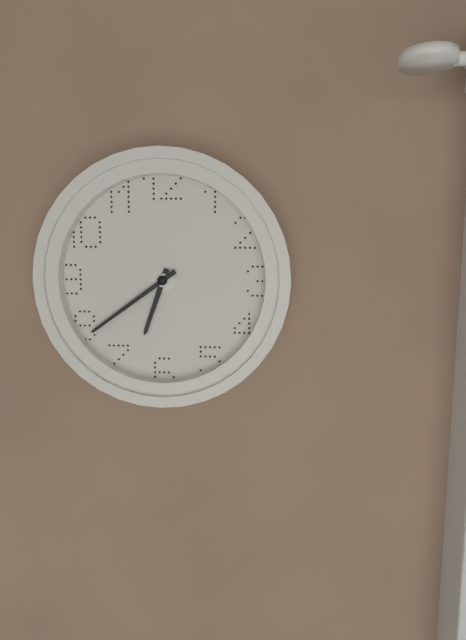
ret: 6:39
